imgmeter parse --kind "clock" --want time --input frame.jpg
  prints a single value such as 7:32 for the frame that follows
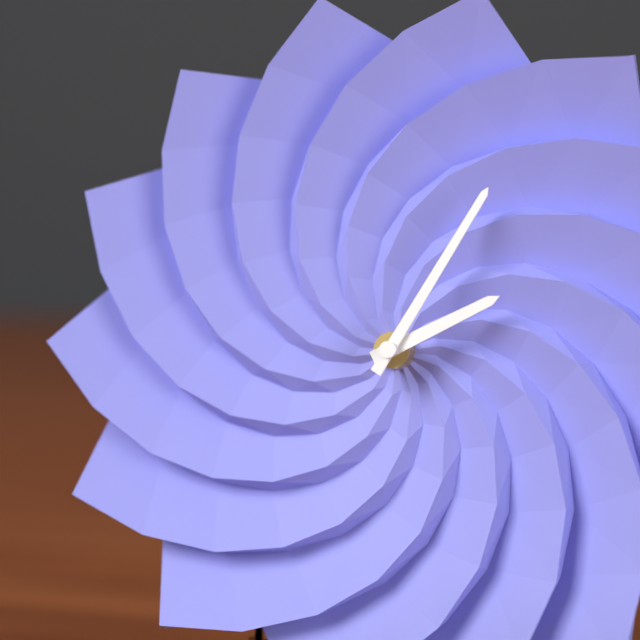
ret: 2:05
